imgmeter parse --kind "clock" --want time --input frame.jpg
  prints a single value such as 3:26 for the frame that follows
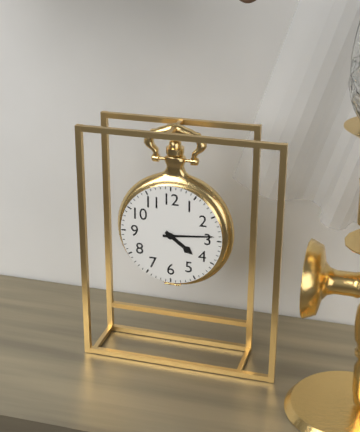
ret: 4:14
